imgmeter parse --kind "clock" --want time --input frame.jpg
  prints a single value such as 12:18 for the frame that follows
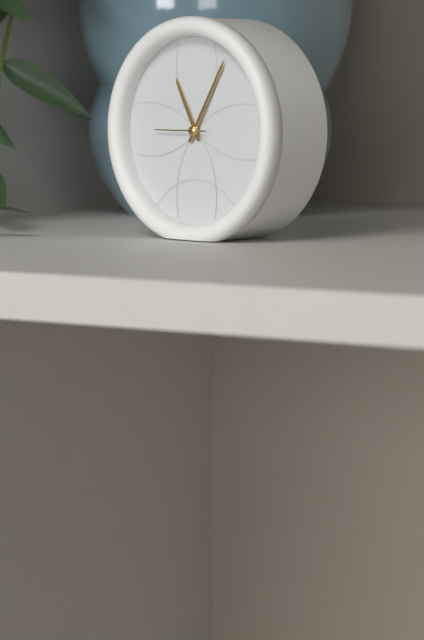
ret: 11:05
